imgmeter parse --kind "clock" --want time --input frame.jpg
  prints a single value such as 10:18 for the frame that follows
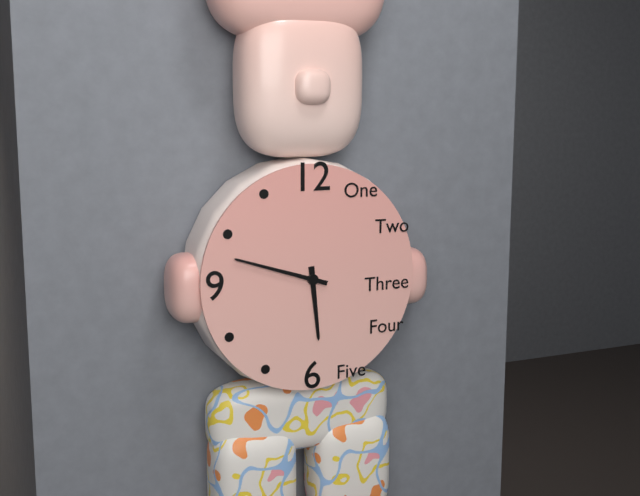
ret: 5:48
